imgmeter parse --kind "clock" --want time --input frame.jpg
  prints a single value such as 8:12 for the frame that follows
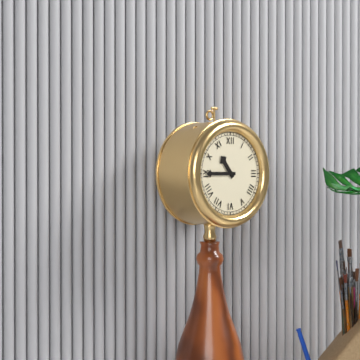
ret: 10:45
